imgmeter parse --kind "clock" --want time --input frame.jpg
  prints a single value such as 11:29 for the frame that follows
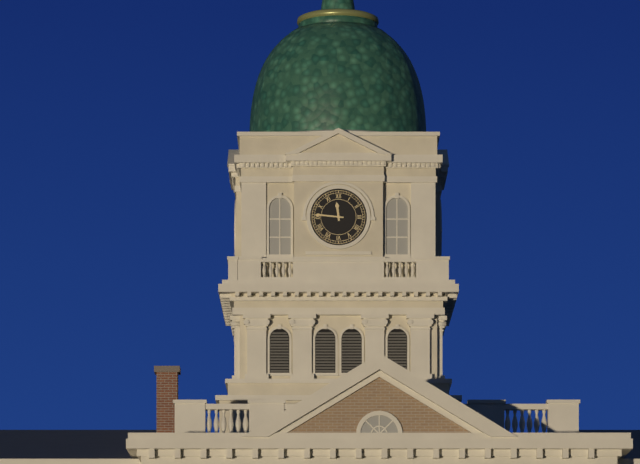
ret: 11:46
